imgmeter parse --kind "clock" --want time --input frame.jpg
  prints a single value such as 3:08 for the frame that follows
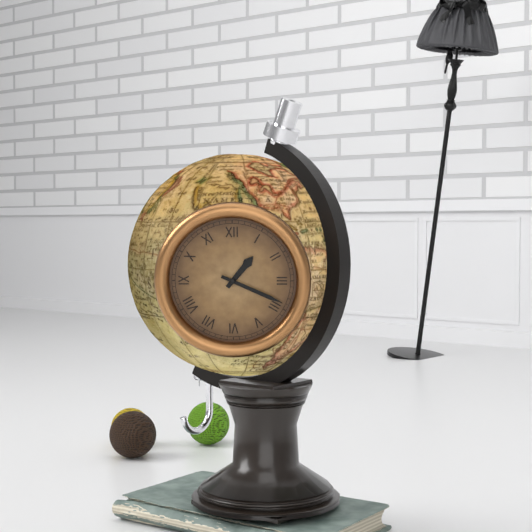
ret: 1:19
